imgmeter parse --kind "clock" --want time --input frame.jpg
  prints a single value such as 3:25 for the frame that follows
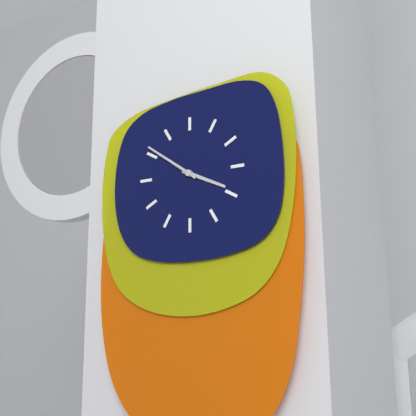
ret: 3:51
